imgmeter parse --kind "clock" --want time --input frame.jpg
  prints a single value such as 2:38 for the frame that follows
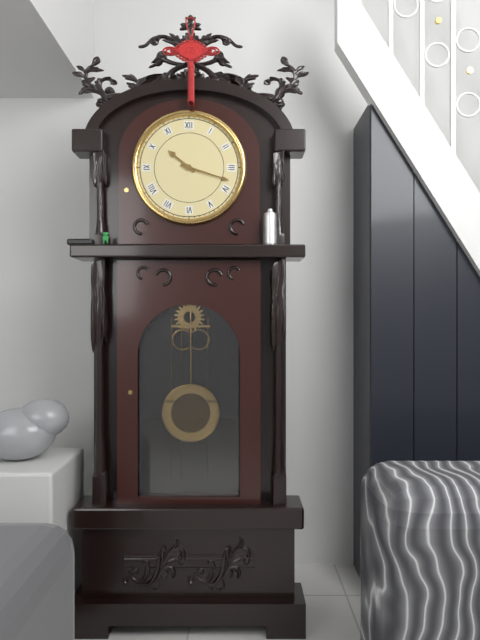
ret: 10:18
